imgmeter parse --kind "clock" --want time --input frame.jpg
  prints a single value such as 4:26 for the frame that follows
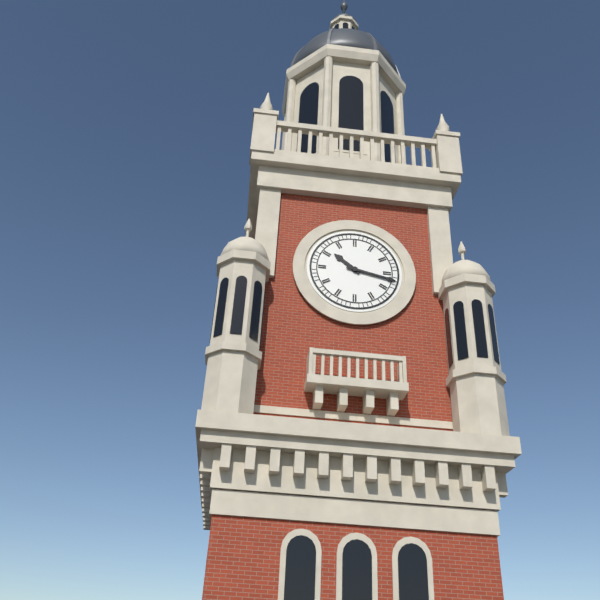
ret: 10:17
